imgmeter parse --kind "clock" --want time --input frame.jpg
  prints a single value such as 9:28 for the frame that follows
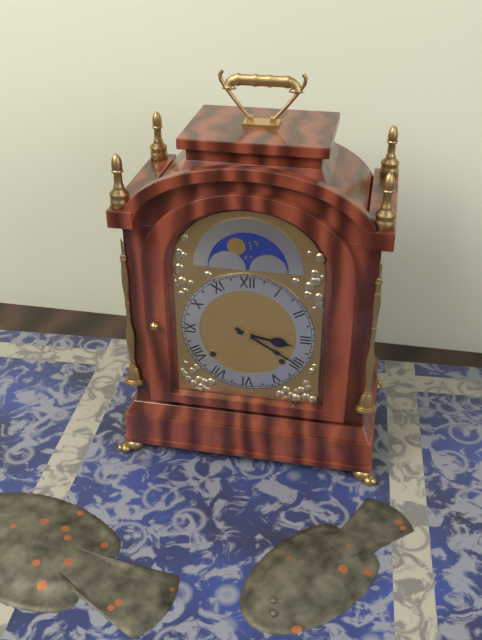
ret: 3:20
